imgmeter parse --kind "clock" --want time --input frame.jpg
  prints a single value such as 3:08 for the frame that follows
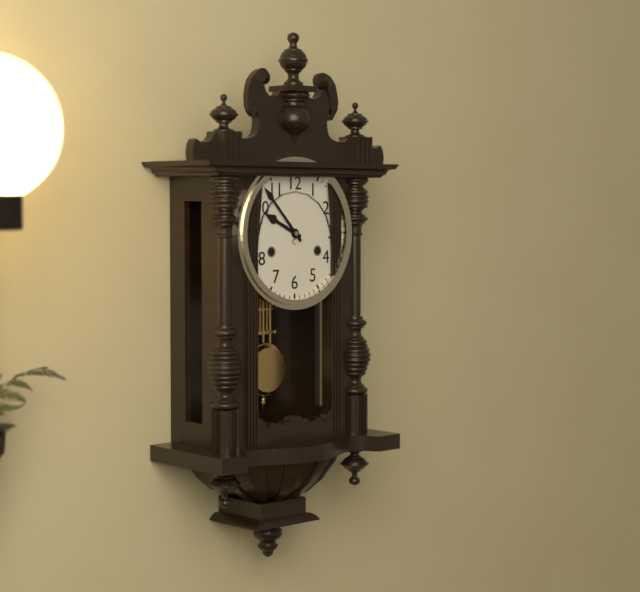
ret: 9:53
